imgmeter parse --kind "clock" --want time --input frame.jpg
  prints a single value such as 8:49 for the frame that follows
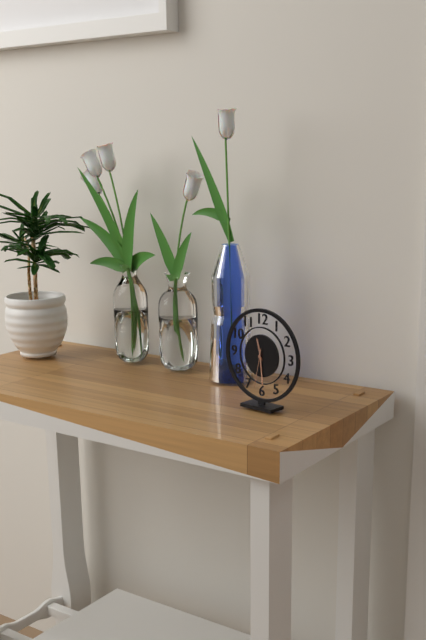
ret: 11:29
